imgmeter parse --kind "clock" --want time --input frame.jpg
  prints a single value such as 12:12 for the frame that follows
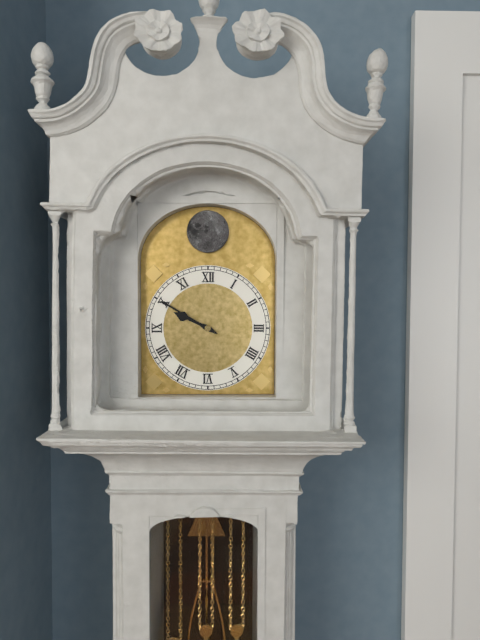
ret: 9:50
